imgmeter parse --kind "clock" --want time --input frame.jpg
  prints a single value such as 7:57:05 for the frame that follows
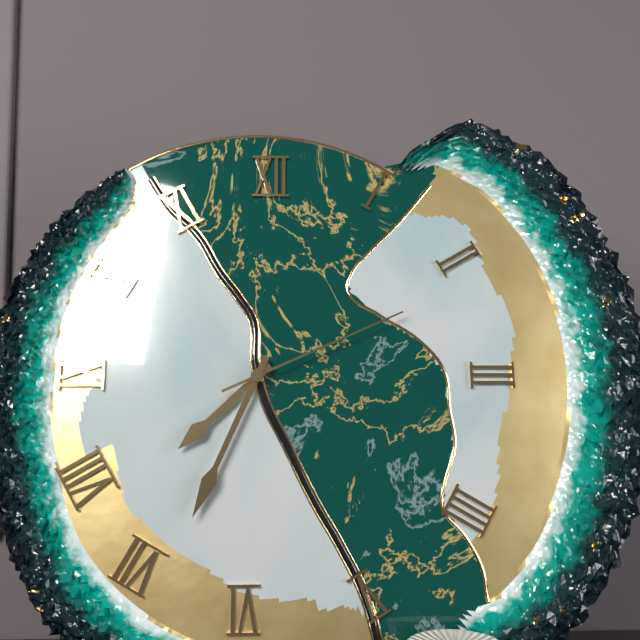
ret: 7:34:11
